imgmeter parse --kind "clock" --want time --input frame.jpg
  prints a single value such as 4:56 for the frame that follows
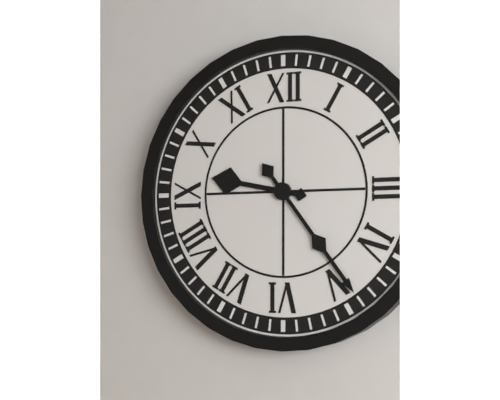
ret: 9:24
